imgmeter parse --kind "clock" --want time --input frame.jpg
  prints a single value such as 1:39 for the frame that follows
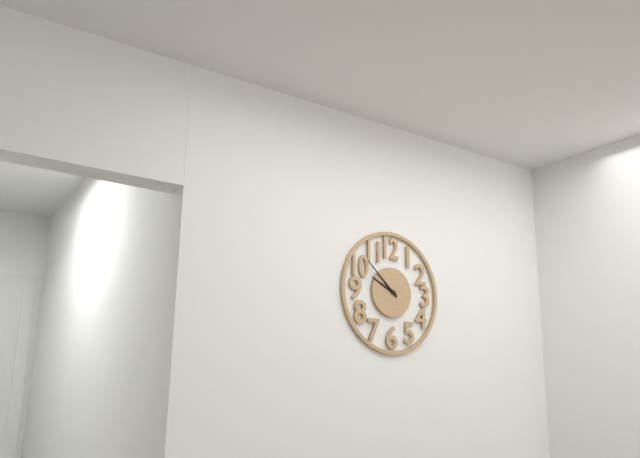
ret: 9:52
